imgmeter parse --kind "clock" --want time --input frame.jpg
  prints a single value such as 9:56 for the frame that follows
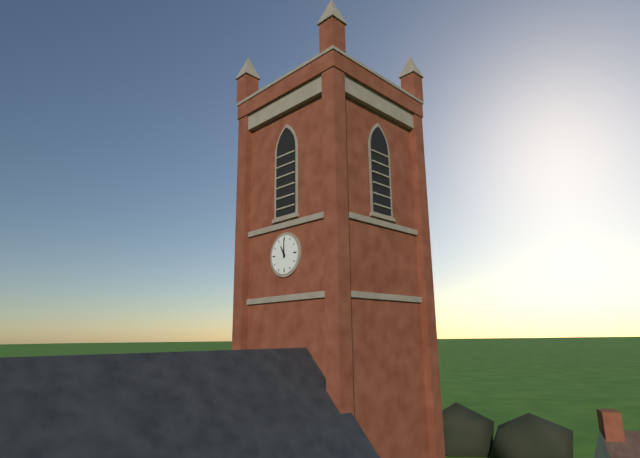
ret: 11:00
